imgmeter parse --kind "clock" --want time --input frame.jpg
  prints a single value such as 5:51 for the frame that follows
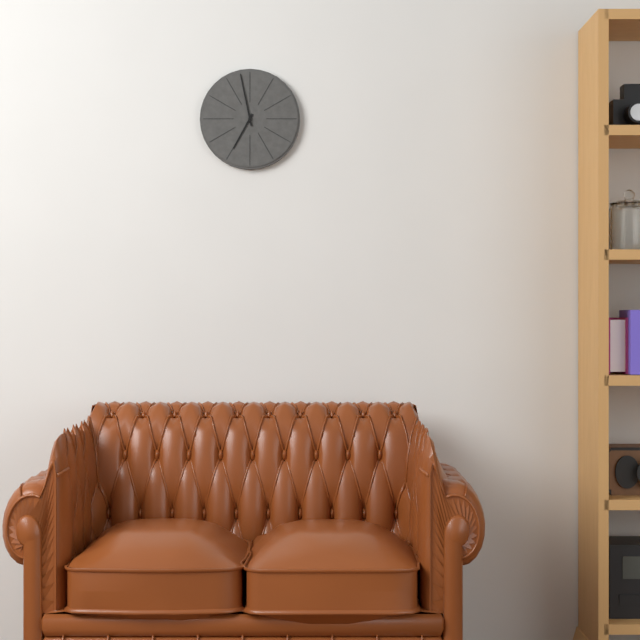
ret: 6:58
